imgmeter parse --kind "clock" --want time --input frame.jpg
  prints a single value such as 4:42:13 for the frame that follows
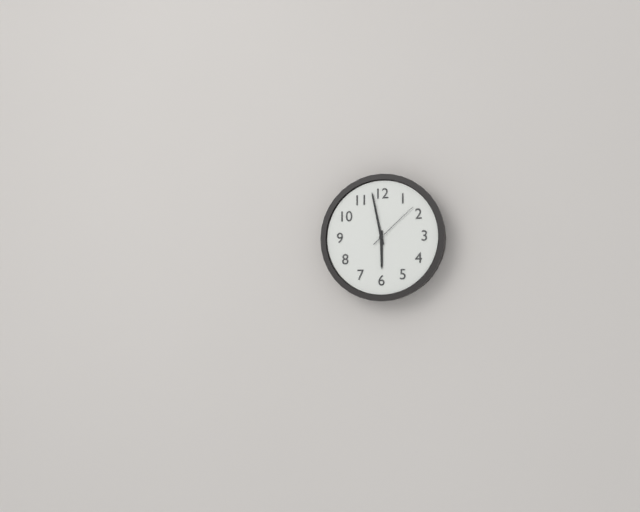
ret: 5:58:08
